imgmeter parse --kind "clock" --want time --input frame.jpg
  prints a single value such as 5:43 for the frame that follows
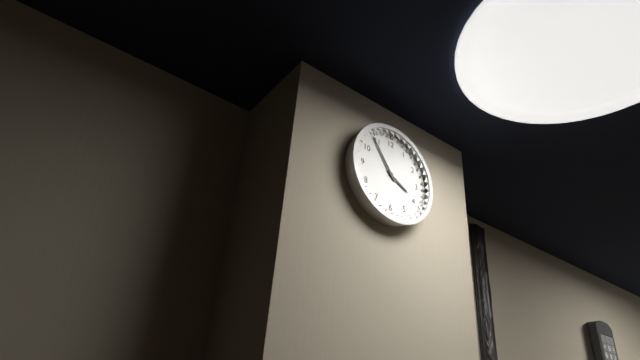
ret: 3:54
